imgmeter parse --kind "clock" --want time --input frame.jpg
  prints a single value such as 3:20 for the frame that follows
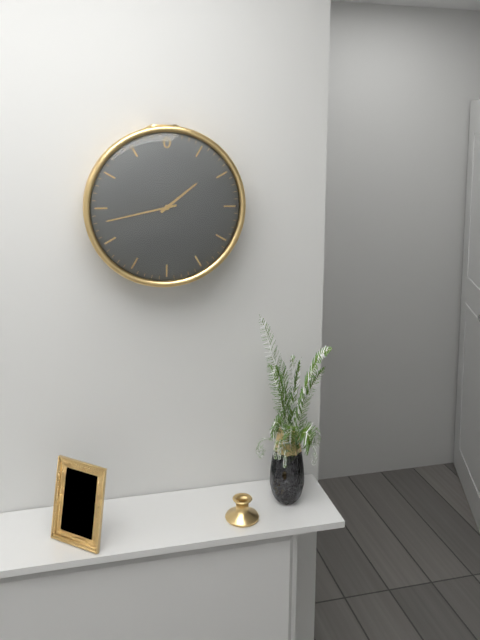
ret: 1:43
